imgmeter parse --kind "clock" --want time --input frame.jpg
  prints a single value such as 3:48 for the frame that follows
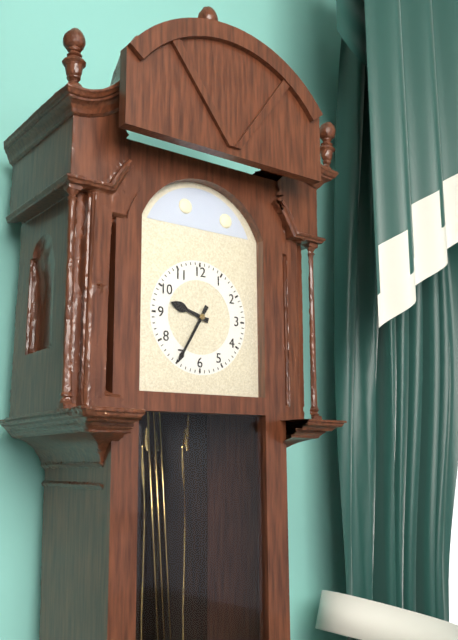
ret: 9:35
